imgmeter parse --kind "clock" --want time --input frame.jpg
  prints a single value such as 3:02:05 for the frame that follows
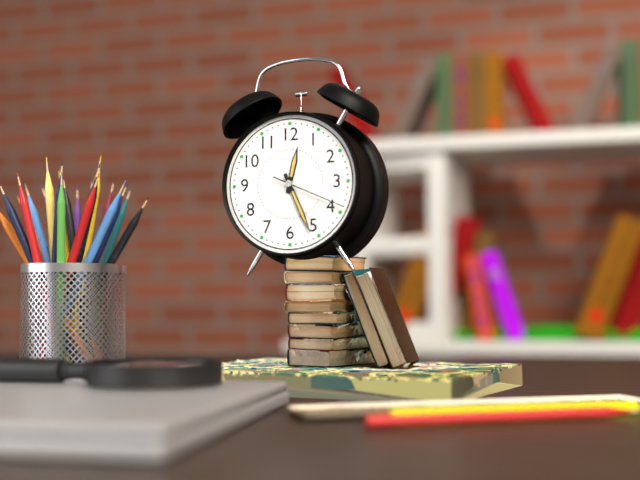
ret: 12:26:19
